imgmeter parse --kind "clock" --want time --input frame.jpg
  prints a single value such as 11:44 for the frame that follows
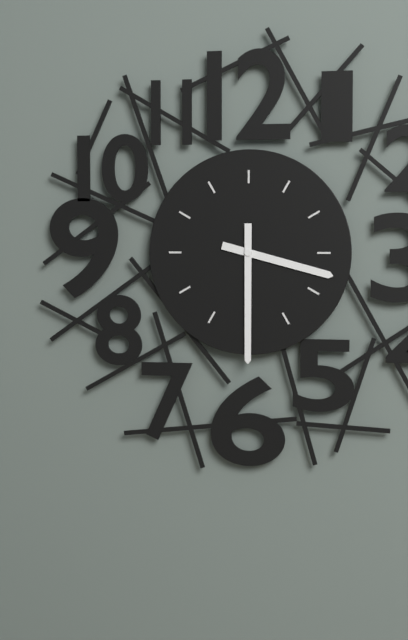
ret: 3:30
